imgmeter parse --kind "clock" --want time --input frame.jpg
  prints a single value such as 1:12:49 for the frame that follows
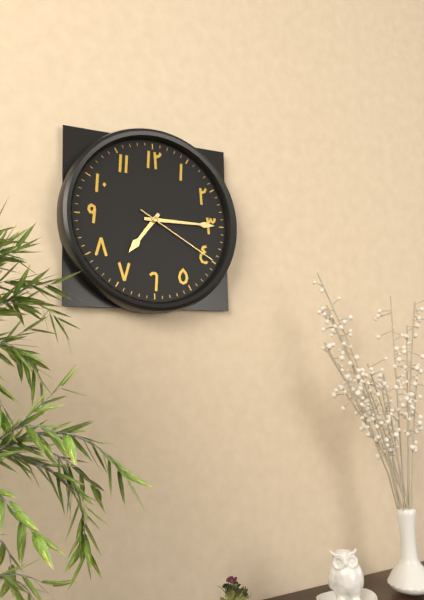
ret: 7:15:20
